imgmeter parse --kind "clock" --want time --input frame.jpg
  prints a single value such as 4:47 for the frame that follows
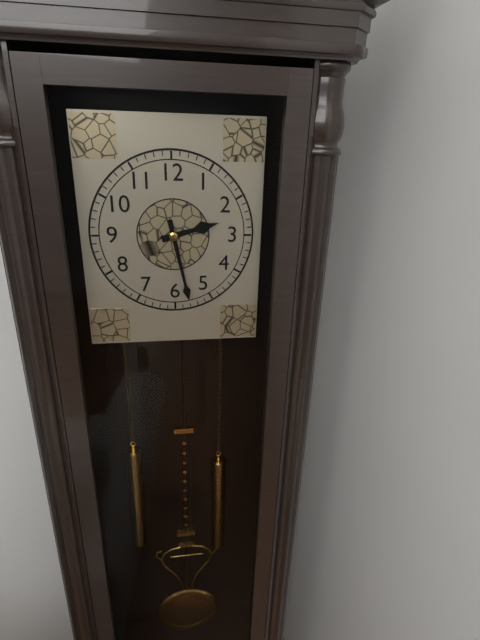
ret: 2:28
